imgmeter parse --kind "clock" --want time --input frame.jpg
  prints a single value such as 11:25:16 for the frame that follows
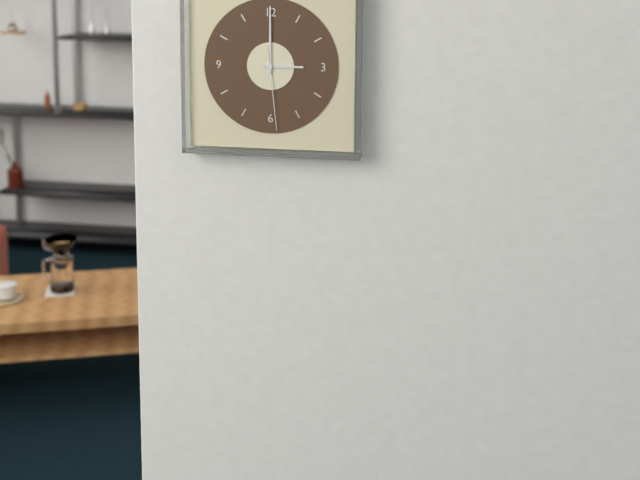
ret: 3:00:29
